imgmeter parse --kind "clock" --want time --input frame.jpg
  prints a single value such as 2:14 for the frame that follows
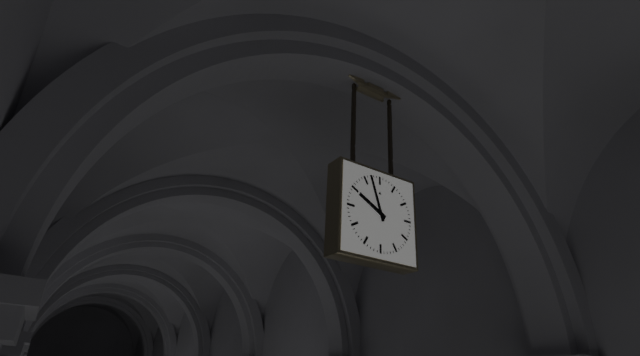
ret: 9:57
